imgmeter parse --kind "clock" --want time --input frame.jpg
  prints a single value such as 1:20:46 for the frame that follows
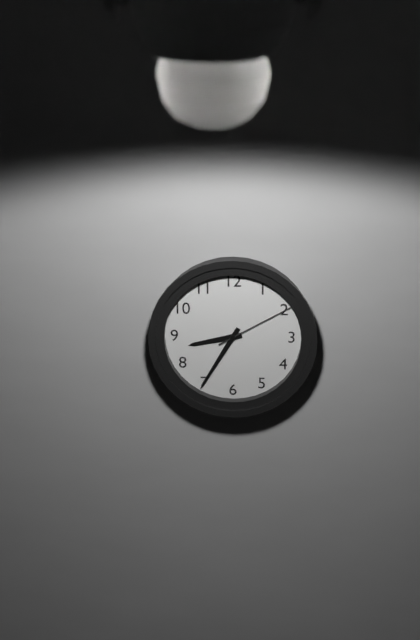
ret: 8:35:10
